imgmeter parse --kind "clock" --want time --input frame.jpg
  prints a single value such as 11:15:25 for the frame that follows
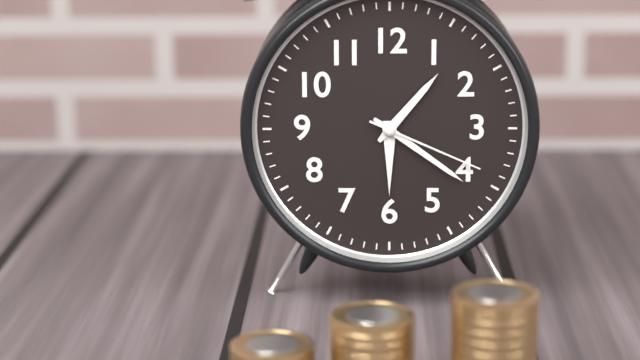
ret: 1:21:19
